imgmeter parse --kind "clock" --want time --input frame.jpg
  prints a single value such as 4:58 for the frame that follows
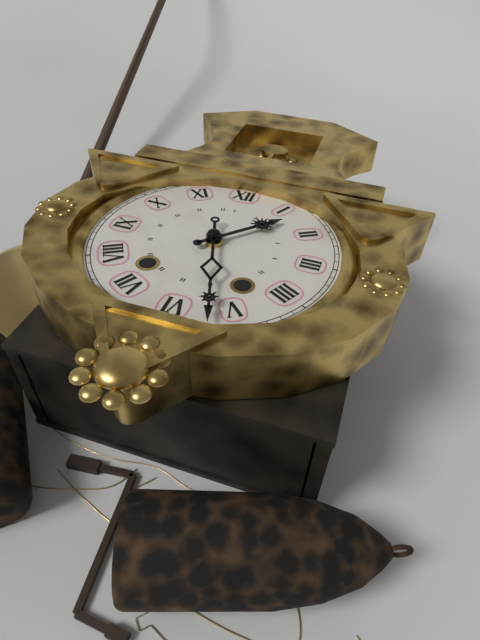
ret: 1:27
